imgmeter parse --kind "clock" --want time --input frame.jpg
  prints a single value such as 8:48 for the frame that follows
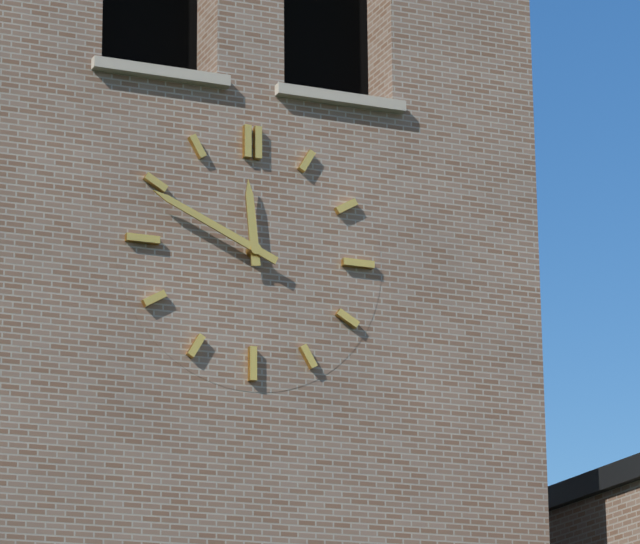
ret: 11:49
